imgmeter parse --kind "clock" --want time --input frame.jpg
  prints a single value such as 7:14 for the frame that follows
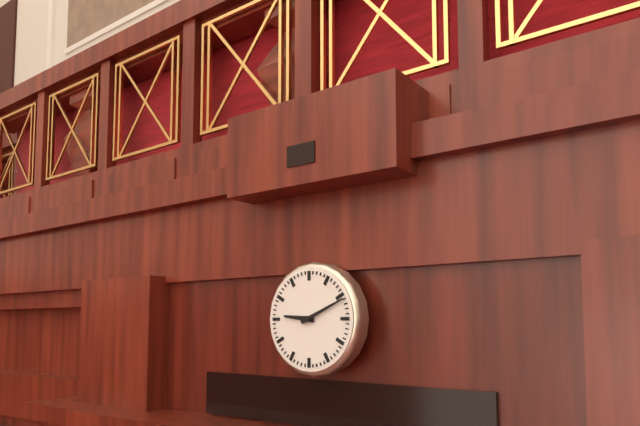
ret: 9:11
